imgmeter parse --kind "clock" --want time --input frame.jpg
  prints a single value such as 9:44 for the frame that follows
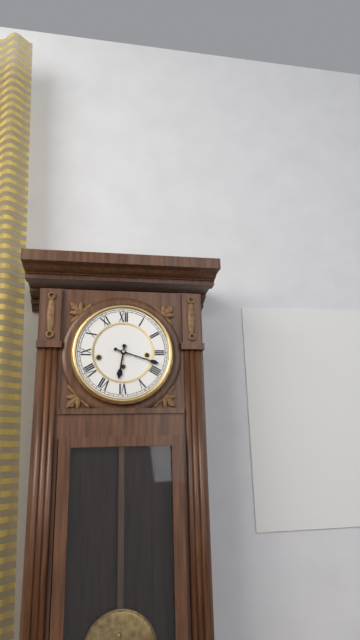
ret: 6:18
